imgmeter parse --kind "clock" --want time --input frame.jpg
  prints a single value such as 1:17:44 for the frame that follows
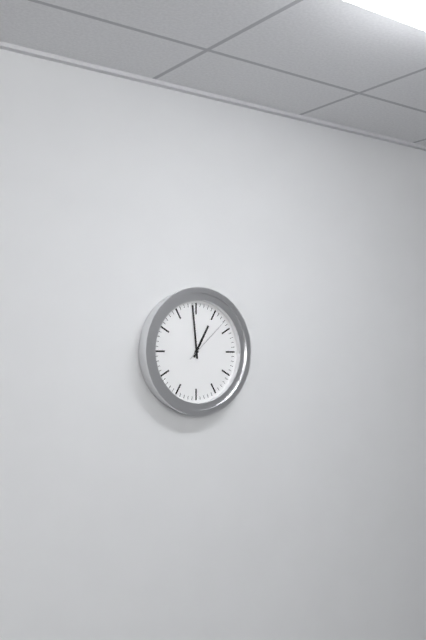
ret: 12:59:08
